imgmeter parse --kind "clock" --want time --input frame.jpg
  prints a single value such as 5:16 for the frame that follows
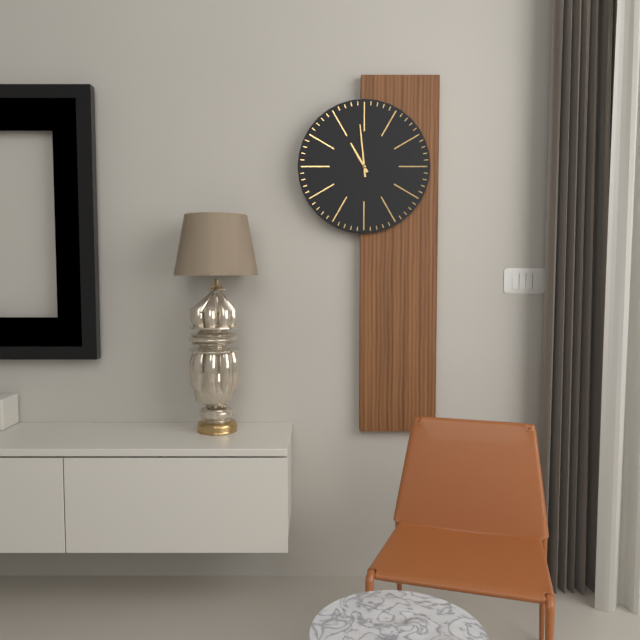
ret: 10:59
